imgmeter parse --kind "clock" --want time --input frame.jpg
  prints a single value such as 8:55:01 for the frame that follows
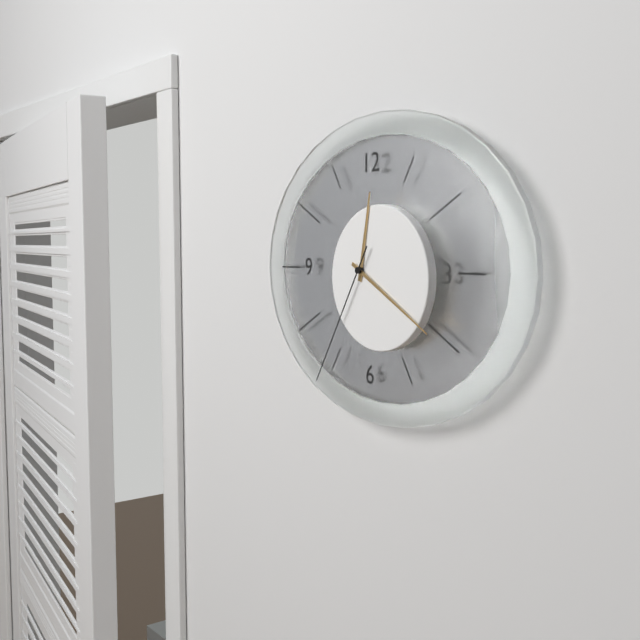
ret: 12:20:35
